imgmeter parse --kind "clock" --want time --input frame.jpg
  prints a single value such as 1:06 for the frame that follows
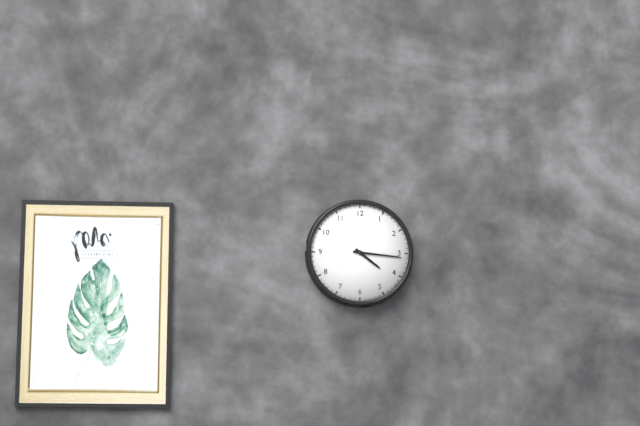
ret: 4:16
